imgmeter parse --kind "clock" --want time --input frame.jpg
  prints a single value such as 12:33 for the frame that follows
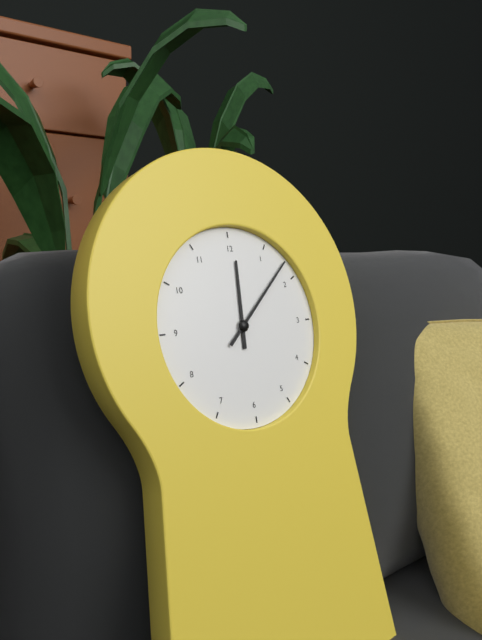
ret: 12:08
